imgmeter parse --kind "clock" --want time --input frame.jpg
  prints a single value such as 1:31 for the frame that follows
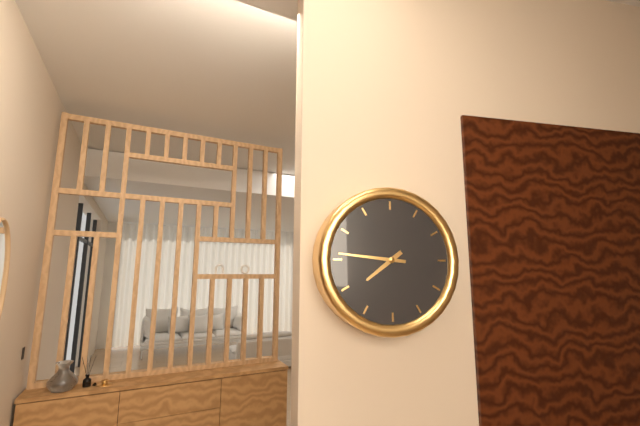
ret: 7:46
